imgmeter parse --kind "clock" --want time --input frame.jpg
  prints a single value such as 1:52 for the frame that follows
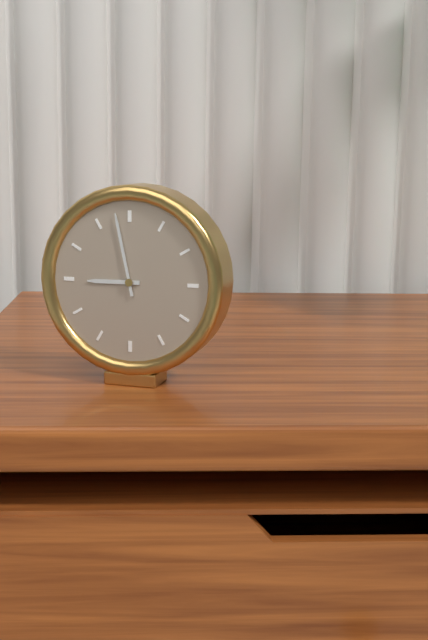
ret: 8:58
